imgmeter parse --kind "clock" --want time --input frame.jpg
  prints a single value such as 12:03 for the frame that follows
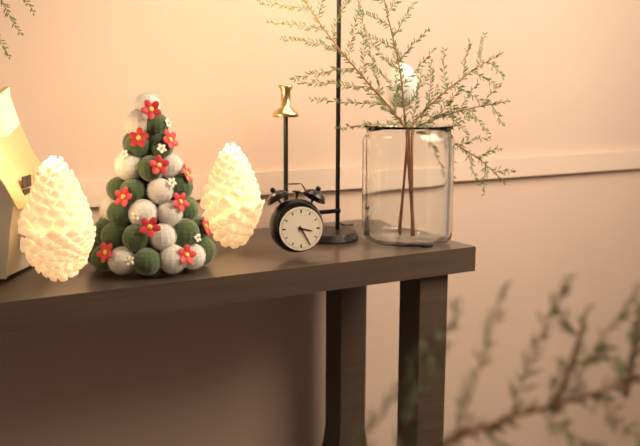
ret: 3:25
